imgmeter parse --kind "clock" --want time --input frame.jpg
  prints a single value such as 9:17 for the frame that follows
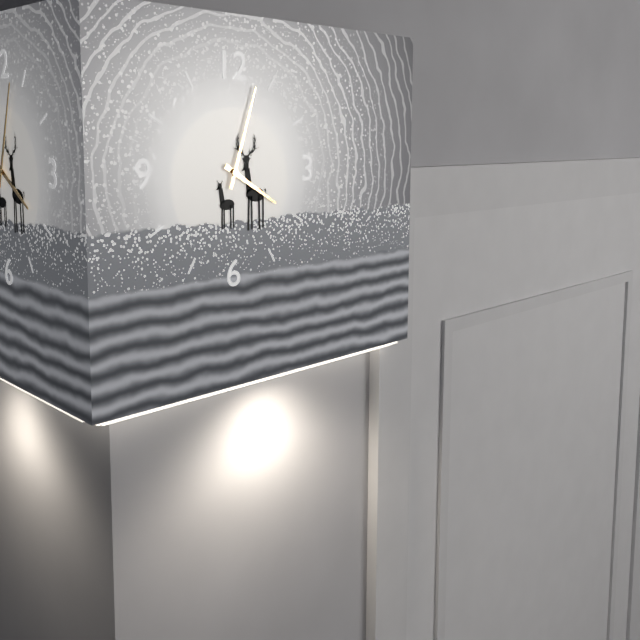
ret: 4:03
